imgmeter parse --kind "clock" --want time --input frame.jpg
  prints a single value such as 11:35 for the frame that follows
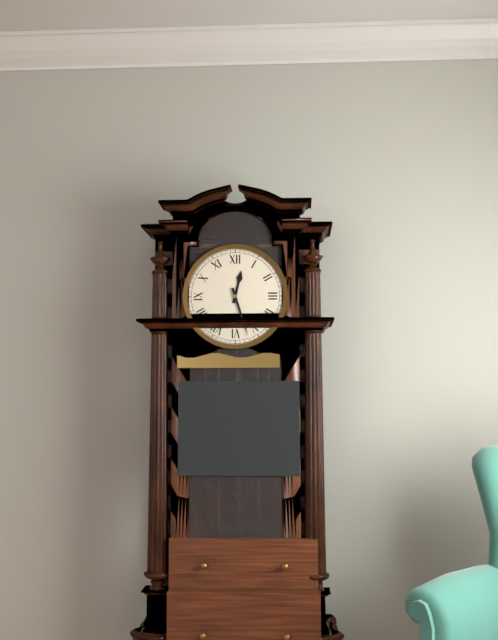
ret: 12:27
